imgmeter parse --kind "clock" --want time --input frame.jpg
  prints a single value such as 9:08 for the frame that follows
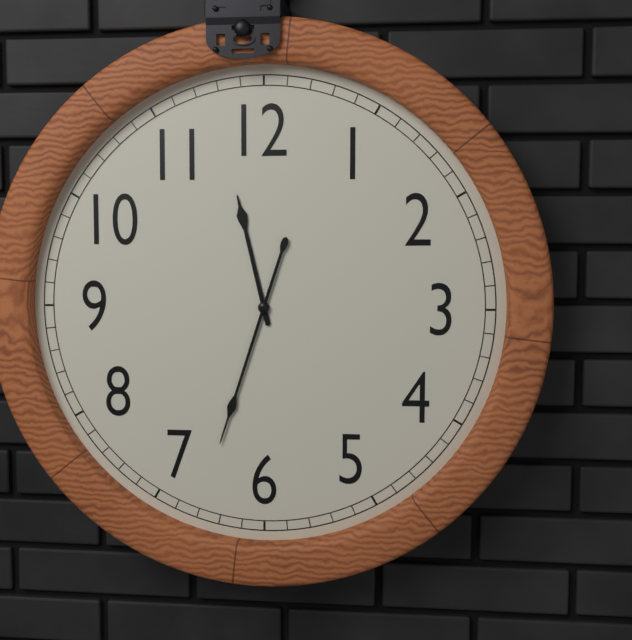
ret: 11:33
